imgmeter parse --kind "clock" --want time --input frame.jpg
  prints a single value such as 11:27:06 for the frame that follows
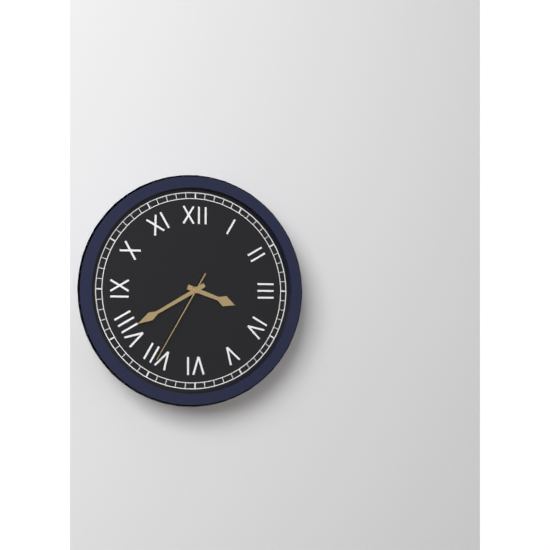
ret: 3:40:35
